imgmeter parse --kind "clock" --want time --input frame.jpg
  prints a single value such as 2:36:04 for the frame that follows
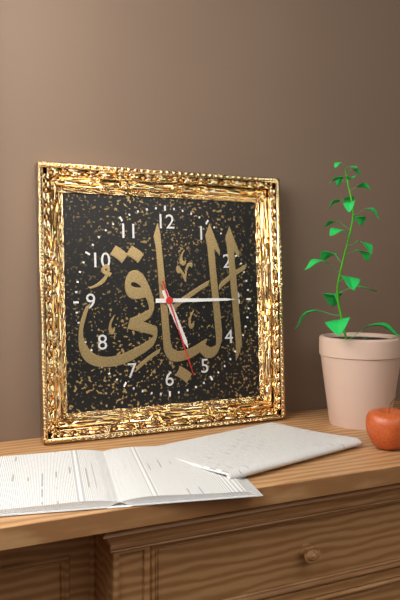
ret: 5:15:27
